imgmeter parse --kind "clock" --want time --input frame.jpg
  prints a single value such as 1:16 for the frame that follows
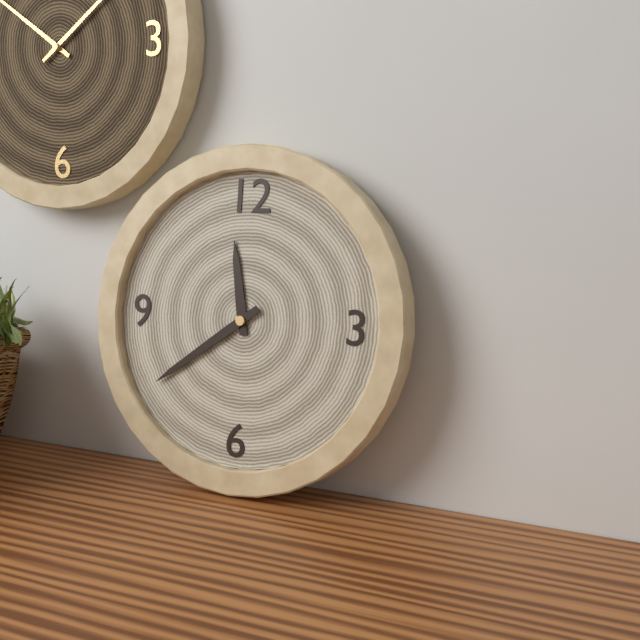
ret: 11:39
